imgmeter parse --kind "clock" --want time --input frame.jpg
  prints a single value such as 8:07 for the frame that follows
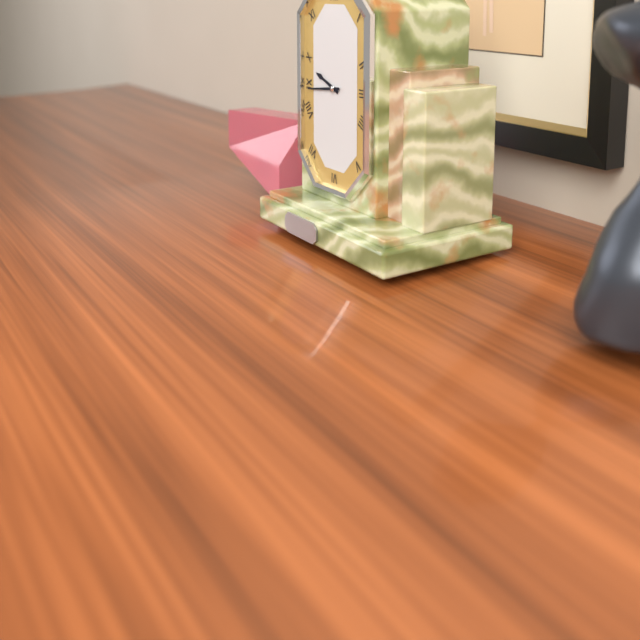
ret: 9:44
